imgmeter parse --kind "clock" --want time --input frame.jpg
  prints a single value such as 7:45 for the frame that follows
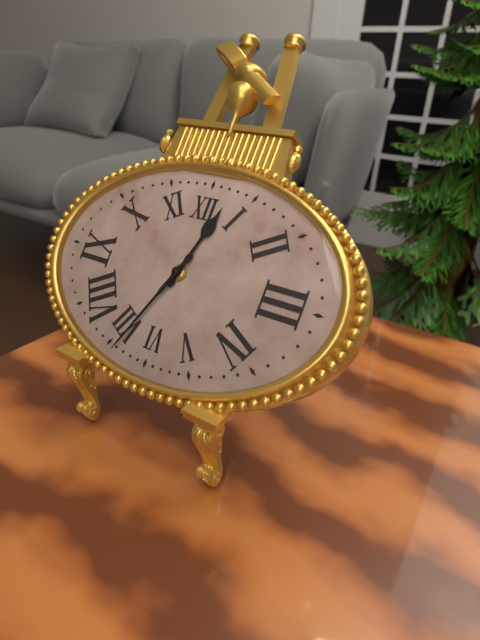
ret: 12:34
